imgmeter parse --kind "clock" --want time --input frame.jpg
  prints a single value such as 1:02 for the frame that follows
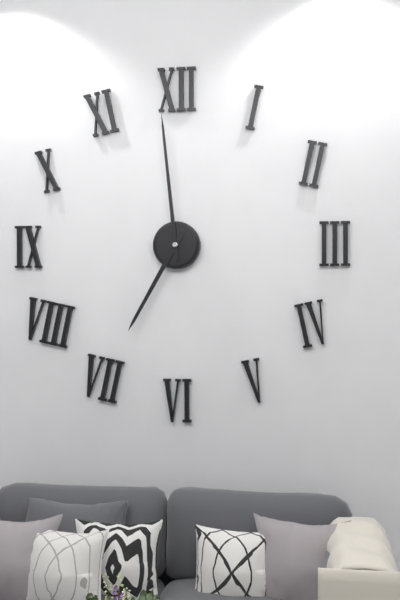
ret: 6:59
